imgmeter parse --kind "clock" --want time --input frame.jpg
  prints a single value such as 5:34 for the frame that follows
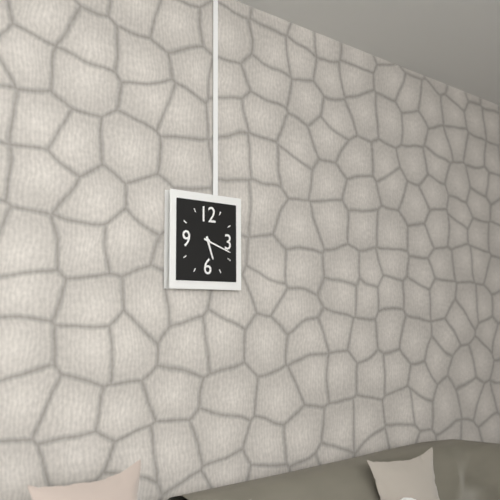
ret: 5:18
